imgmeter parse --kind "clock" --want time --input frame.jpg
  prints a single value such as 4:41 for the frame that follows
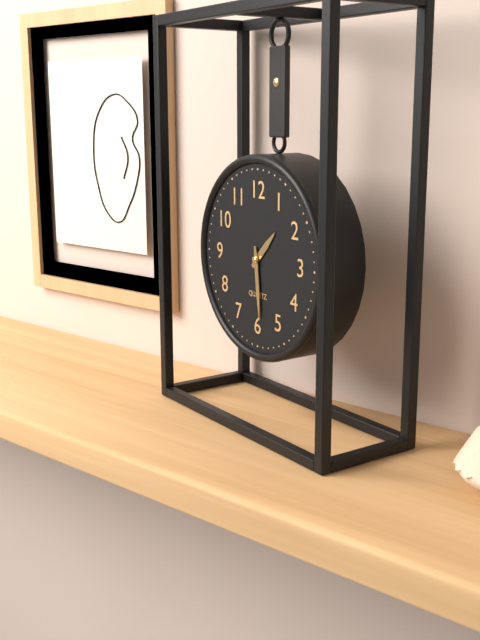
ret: 1:29
